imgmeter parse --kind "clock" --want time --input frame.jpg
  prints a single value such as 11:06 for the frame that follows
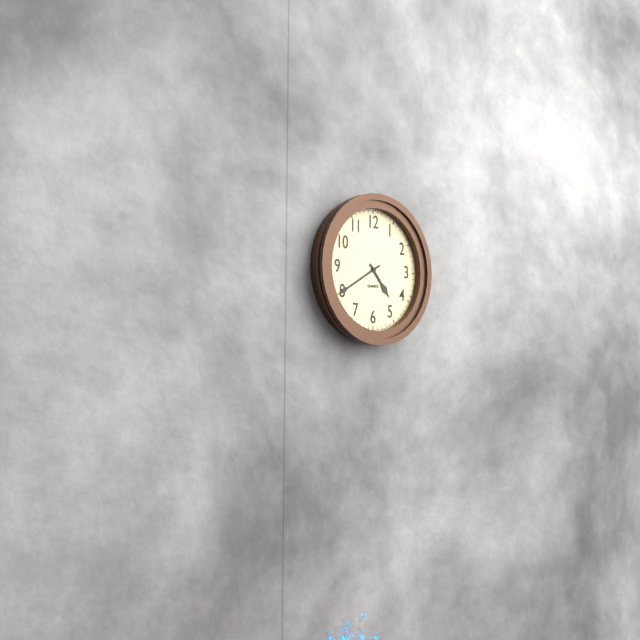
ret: 4:40
